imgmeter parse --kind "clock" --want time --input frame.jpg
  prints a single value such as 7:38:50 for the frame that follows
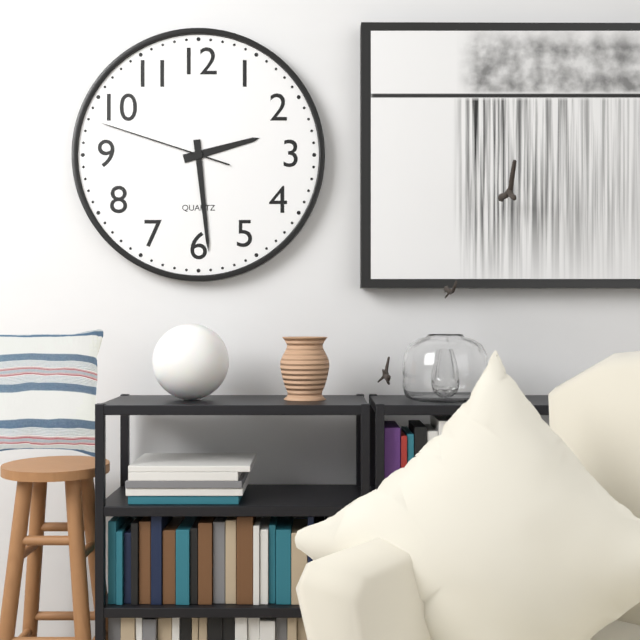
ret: 2:29:48
